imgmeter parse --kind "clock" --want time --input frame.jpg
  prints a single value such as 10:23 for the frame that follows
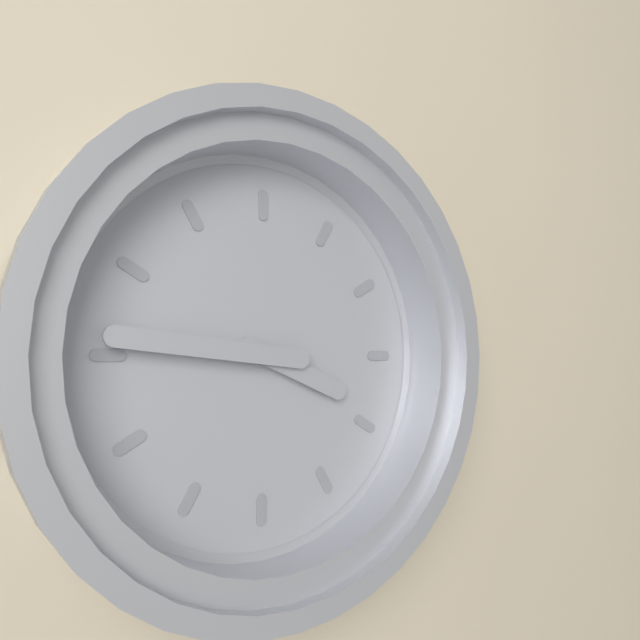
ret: 3:46
